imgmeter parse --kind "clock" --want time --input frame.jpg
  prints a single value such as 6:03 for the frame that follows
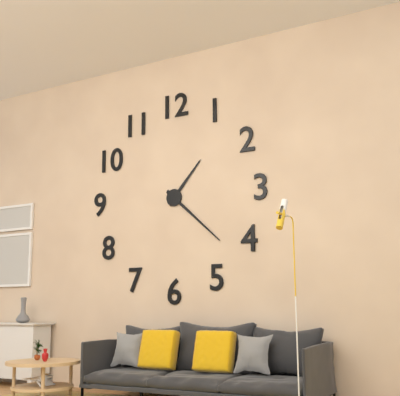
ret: 1:22
